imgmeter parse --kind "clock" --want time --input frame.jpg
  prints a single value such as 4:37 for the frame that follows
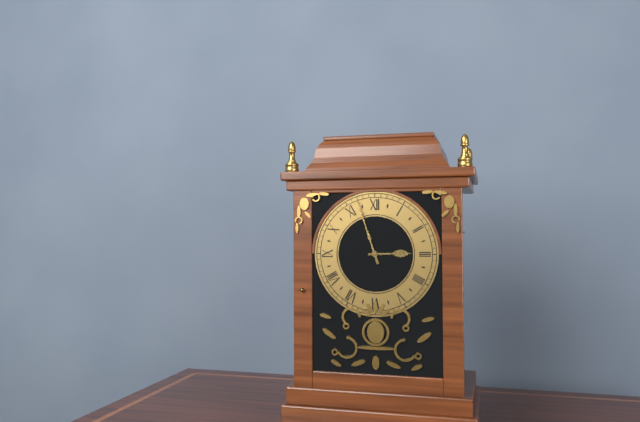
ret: 2:57
